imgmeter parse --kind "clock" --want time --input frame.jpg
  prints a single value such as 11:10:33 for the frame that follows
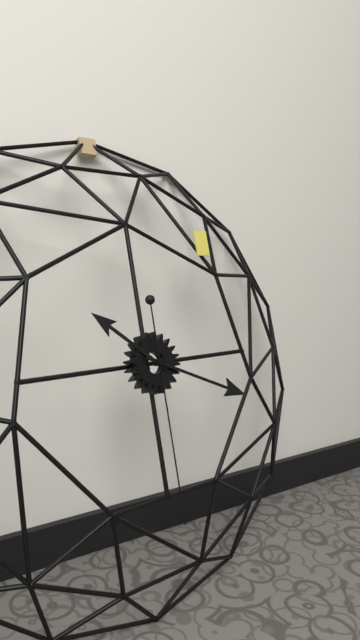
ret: 10:19:30
